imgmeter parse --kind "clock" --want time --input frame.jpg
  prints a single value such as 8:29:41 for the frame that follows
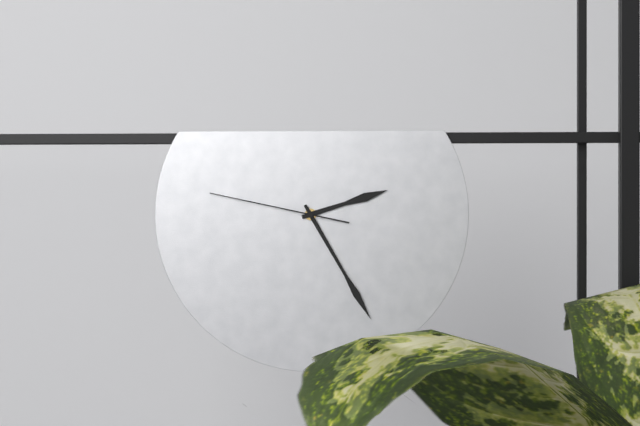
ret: 2:25:47
